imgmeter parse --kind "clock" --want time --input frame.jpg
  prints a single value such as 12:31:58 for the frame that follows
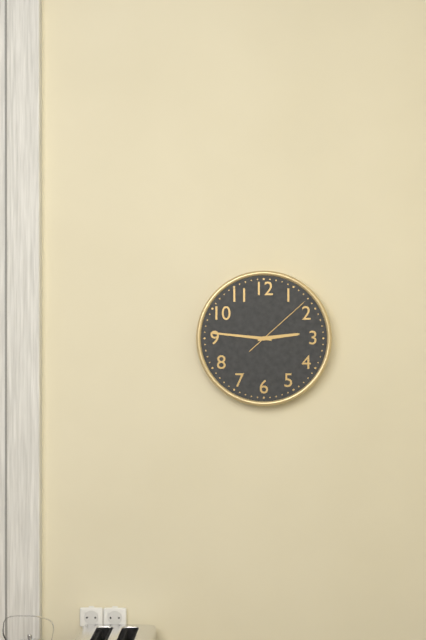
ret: 2:46:08
